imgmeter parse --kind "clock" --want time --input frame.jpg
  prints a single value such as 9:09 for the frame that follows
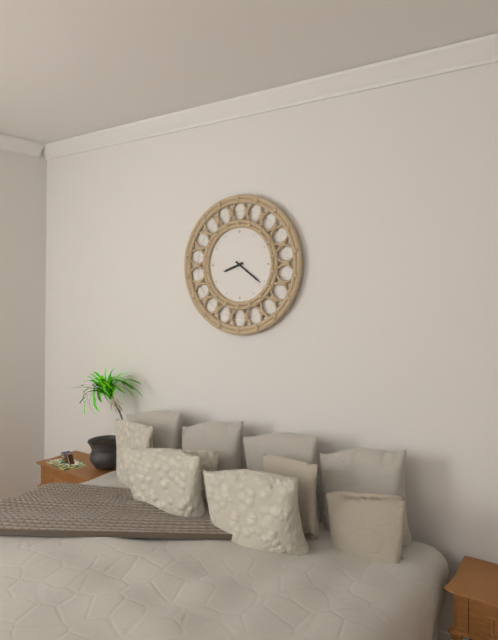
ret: 8:21
